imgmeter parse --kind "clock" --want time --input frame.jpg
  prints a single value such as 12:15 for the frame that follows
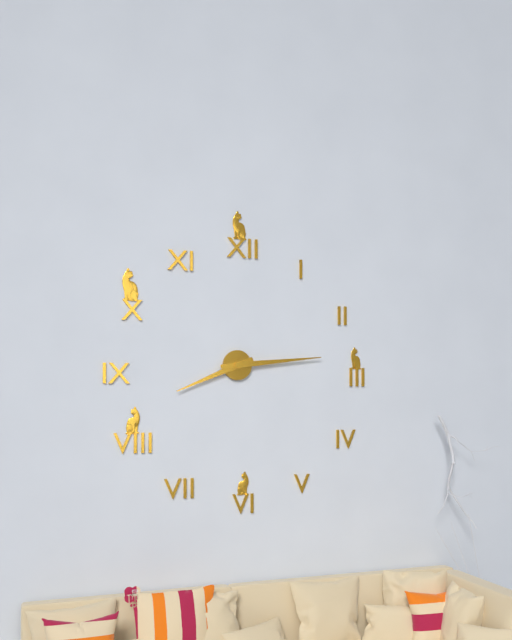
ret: 8:14
